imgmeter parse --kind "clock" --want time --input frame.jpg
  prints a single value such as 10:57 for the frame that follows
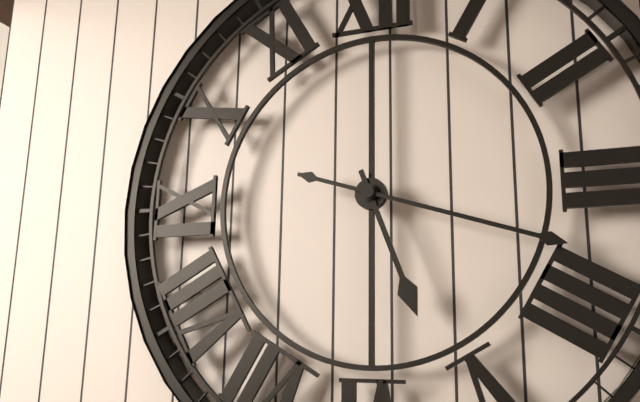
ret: 5:18
